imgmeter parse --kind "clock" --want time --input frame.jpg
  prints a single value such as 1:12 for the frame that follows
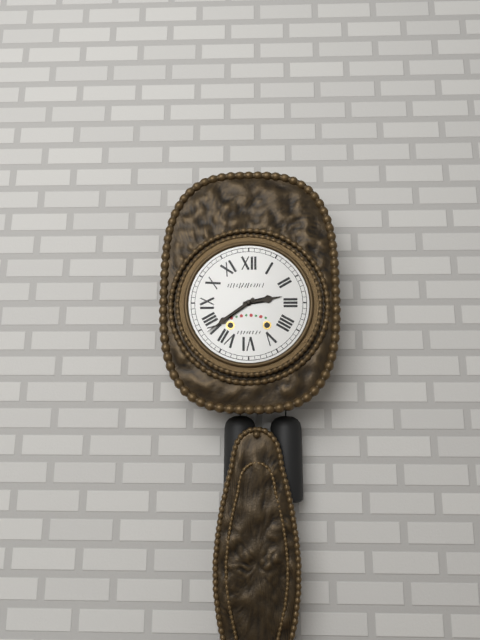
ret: 2:39
